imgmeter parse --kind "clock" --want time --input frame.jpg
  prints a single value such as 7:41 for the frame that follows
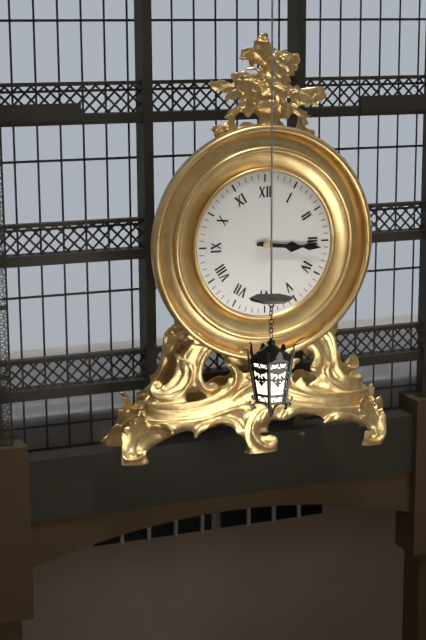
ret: 3:16
